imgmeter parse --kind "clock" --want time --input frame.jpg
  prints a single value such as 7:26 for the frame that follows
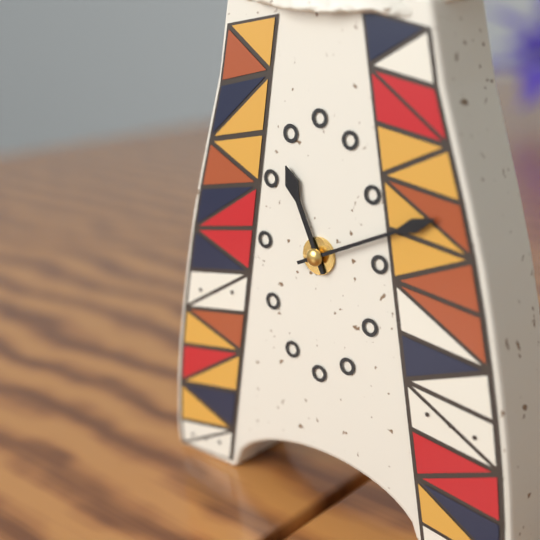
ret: 11:11
